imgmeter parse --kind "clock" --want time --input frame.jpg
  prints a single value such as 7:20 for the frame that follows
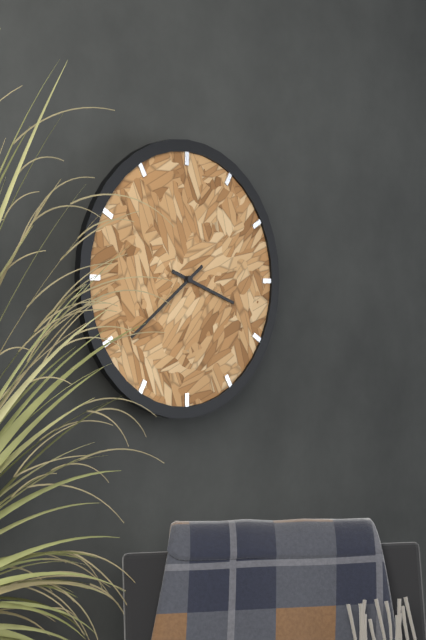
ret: 3:39
